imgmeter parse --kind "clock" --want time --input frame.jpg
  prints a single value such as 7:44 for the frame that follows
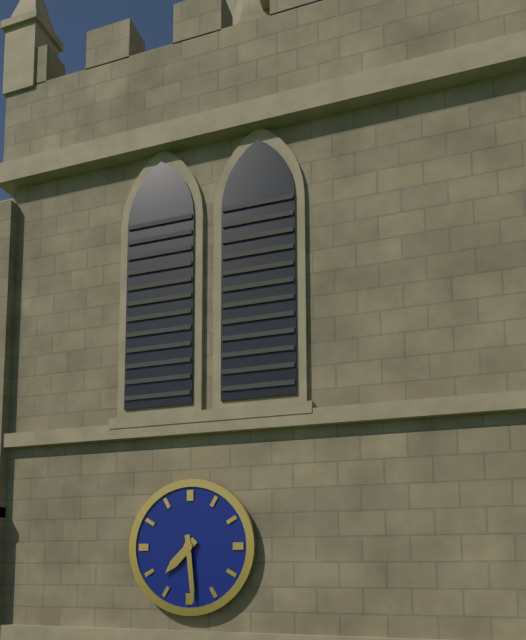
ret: 7:29
